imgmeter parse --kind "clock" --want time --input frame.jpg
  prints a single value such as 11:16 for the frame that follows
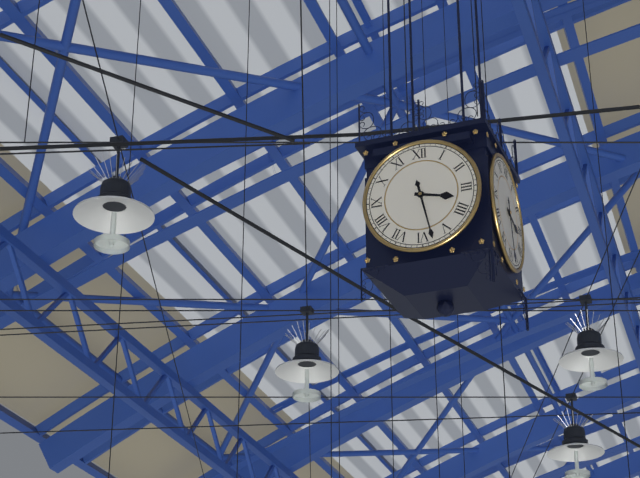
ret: 3:28
